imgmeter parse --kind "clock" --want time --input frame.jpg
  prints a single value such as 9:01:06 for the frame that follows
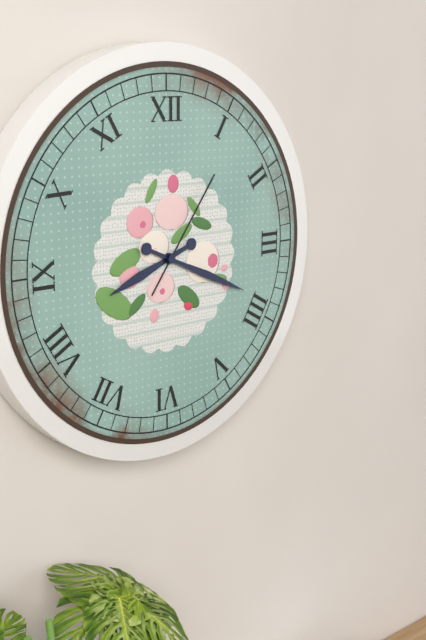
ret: 8:19:06
